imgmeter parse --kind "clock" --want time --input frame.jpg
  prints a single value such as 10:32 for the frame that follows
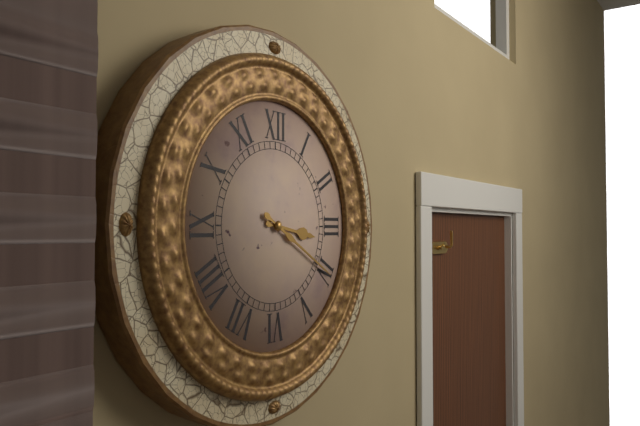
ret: 3:20
